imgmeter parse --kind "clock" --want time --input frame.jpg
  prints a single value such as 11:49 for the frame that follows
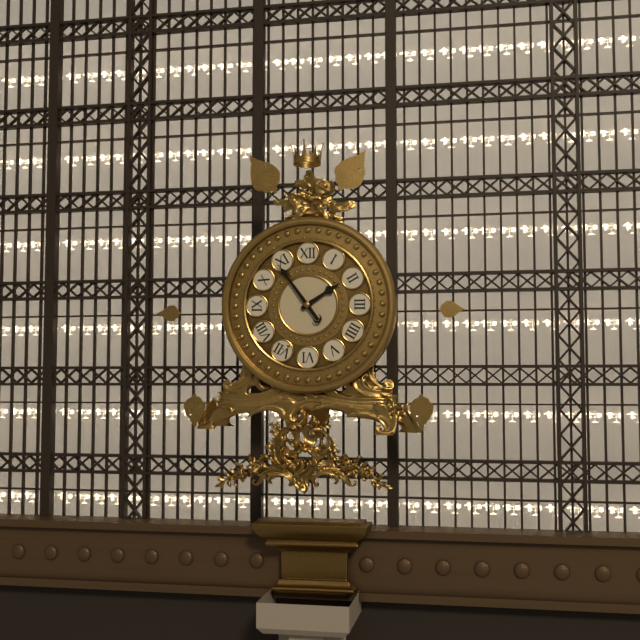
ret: 1:54
